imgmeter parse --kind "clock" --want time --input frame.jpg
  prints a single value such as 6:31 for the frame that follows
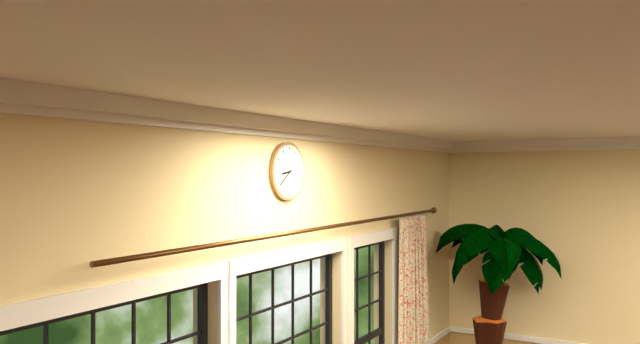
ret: 8:39
